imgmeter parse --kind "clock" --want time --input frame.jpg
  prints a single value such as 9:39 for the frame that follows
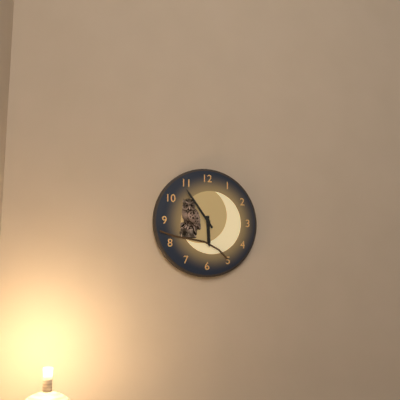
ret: 5:54
